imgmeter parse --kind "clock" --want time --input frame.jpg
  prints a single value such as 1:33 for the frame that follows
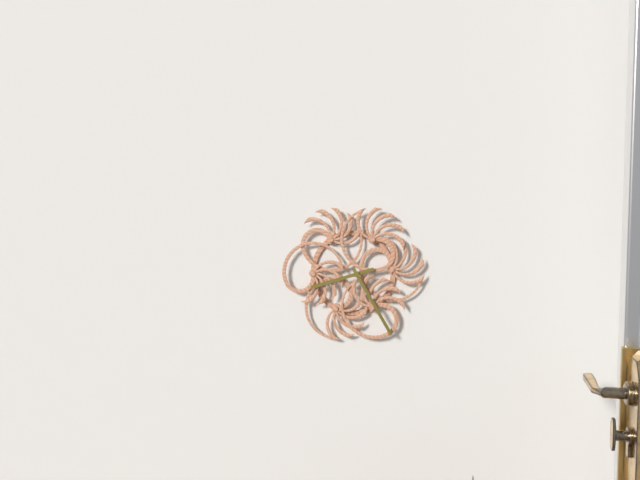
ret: 8:25
